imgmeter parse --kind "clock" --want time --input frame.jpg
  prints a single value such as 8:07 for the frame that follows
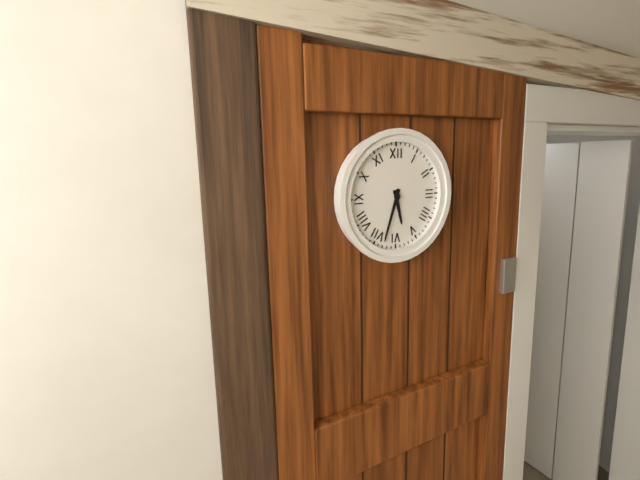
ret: 5:33
